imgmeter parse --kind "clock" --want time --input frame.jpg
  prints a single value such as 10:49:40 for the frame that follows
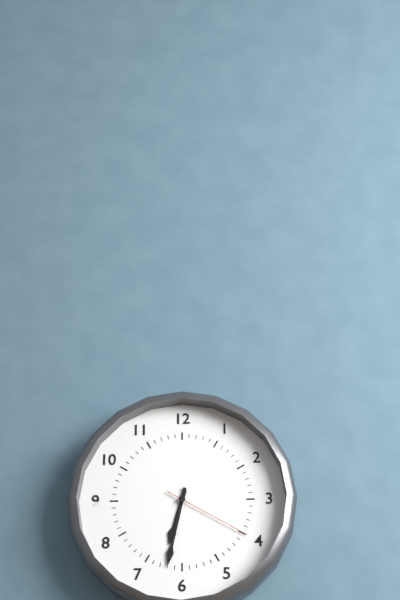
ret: 6:32:20
